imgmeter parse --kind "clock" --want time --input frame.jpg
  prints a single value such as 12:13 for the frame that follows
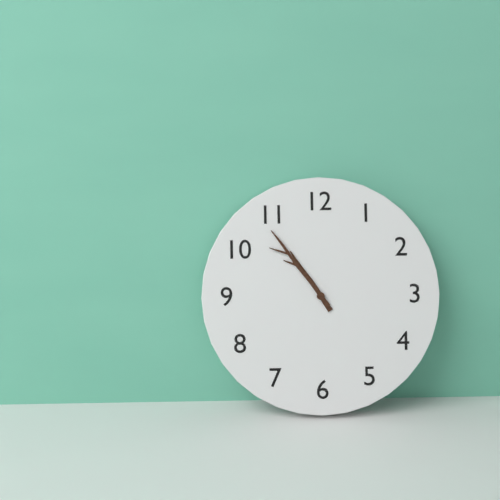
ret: 10:54
